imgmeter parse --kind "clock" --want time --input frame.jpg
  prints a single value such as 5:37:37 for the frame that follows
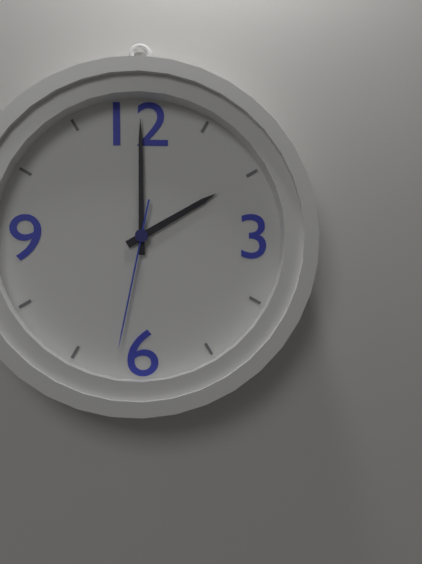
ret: 2:00:32
